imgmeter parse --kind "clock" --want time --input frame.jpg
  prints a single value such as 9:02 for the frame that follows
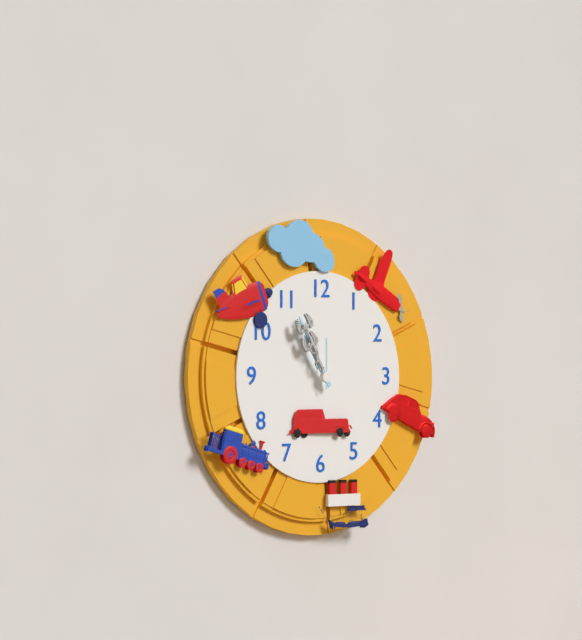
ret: 10:55
